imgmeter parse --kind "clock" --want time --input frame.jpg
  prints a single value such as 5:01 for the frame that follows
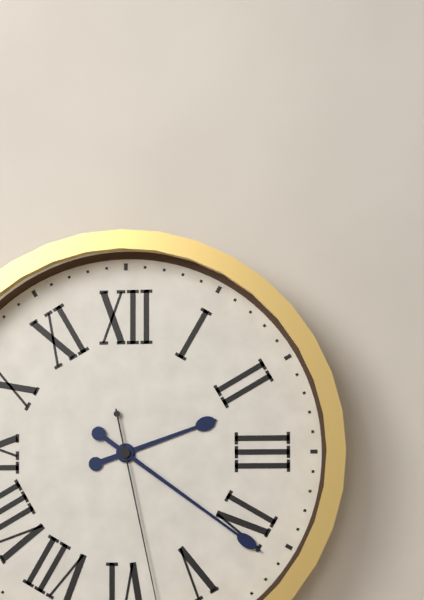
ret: 2:21
